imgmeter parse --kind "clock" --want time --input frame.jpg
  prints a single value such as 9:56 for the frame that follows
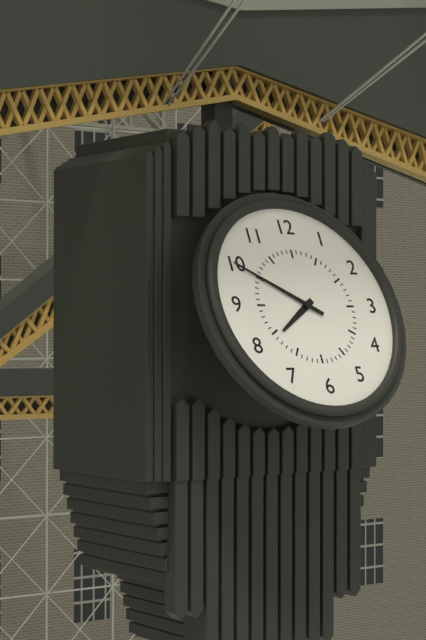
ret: 7:50
